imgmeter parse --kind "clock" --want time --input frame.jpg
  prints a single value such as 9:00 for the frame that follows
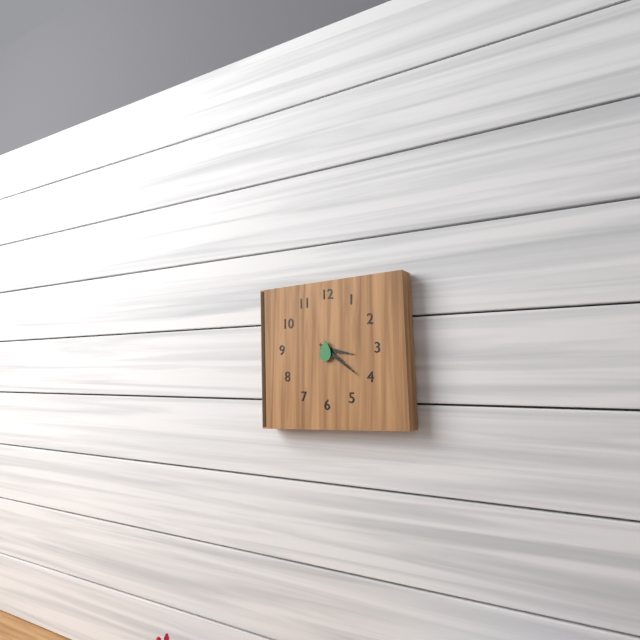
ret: 3:21
